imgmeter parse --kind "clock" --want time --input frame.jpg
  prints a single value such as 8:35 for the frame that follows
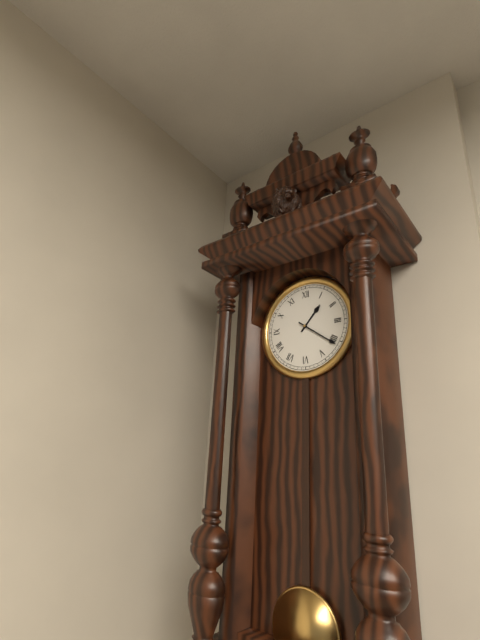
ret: 1:21
